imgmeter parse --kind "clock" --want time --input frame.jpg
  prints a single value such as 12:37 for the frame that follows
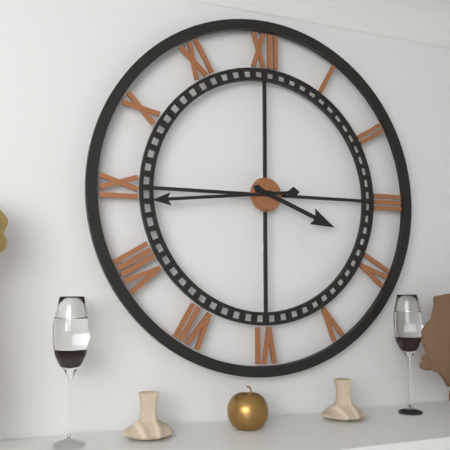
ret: 3:44
